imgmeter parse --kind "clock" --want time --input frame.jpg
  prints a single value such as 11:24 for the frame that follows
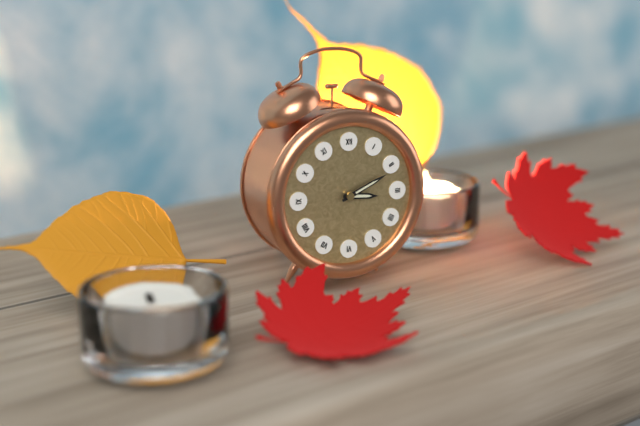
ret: 3:11
